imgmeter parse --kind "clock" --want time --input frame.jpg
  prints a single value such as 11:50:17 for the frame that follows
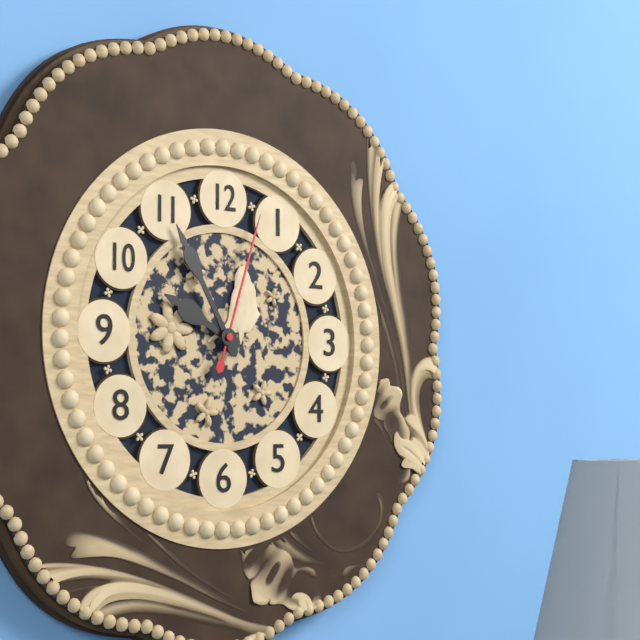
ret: 9:55:03
